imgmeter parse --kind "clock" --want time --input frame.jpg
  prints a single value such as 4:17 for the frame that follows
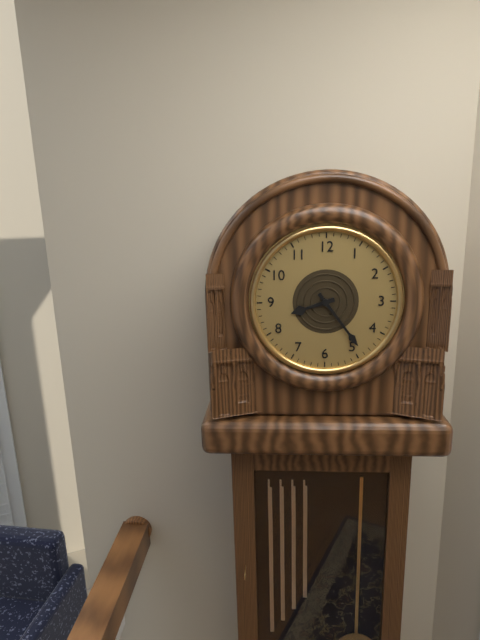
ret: 8:24
